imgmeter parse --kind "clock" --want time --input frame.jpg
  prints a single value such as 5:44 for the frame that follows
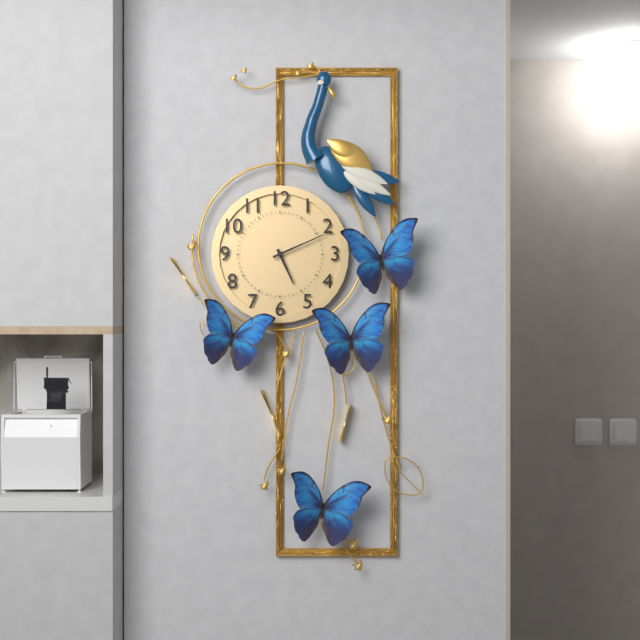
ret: 5:11
